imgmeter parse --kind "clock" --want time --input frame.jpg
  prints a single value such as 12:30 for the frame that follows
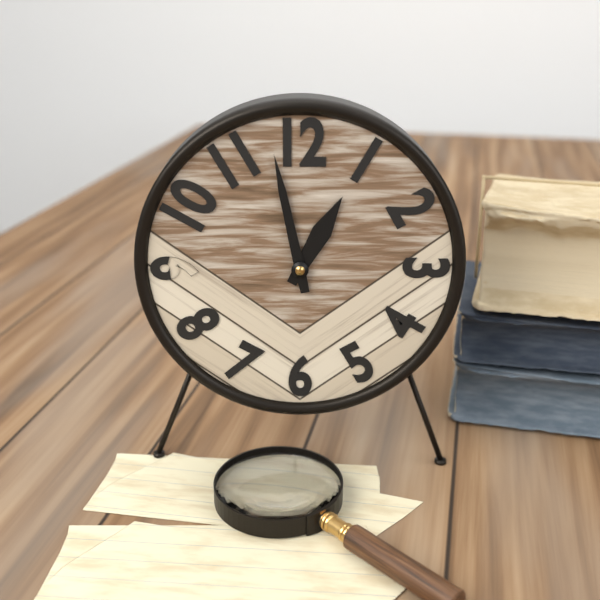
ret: 12:58
